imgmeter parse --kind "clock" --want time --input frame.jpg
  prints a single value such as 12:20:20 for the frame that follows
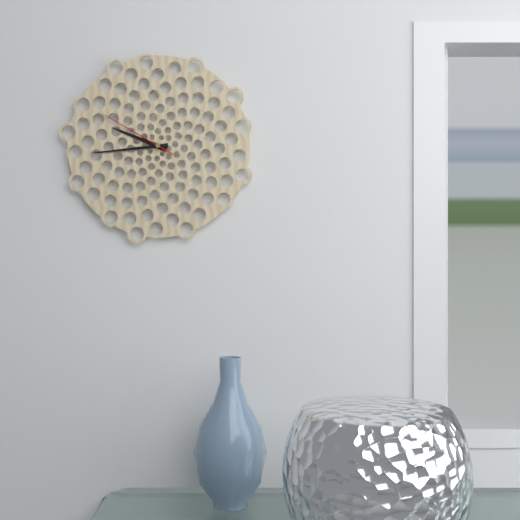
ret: 9:44:50
